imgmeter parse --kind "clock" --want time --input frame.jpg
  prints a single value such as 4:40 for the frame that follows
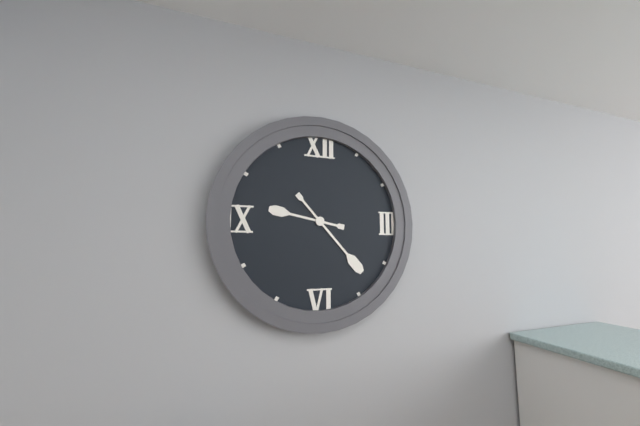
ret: 9:23
